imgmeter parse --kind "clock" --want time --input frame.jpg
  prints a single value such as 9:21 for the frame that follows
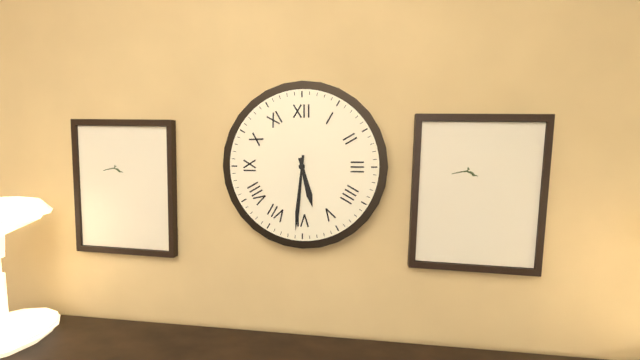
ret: 5:31
